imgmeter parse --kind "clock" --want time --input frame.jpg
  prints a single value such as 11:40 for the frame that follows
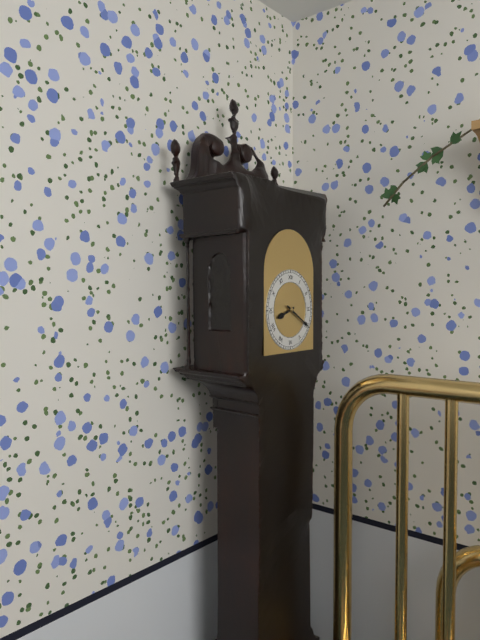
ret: 8:20
